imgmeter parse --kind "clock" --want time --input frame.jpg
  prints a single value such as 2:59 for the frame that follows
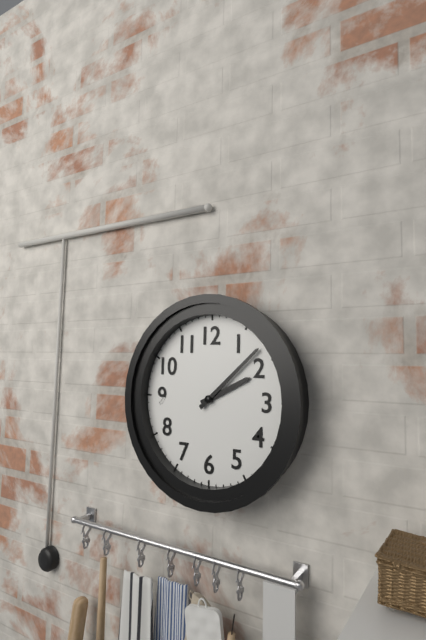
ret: 2:08
